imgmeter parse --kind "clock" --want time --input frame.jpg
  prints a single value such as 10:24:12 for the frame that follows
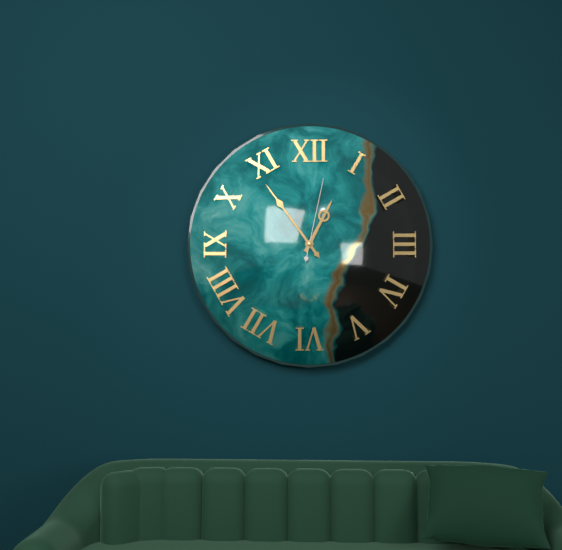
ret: 12:54:02
